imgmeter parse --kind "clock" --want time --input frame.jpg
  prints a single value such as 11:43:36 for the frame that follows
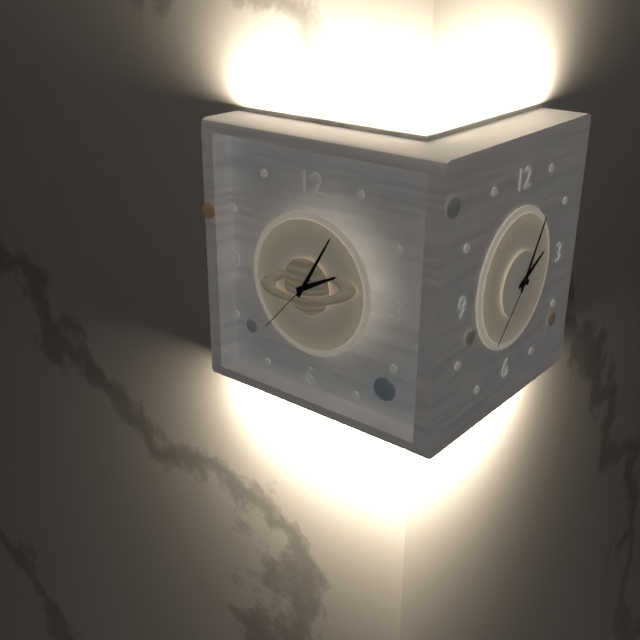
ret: 2:05:37
